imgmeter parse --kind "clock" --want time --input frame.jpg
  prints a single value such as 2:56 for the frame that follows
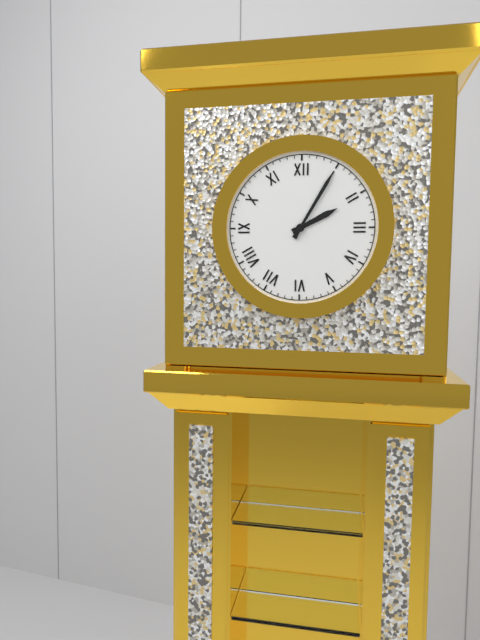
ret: 2:05
